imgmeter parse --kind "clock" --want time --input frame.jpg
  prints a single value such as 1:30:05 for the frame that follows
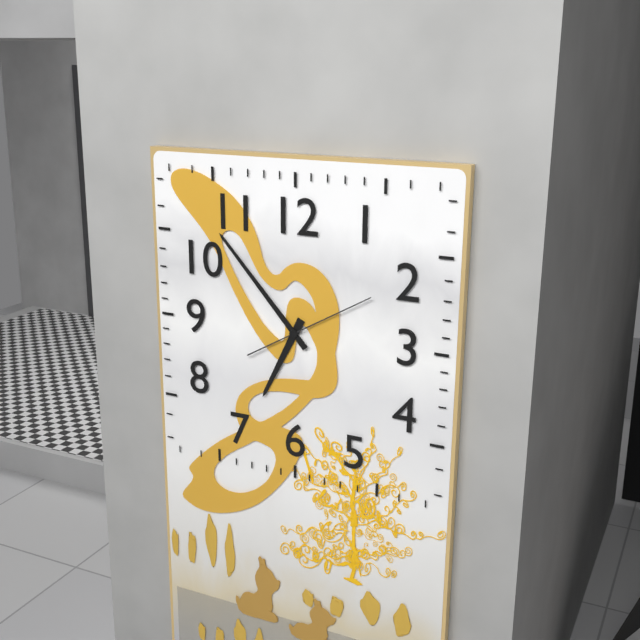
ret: 6:53:10
